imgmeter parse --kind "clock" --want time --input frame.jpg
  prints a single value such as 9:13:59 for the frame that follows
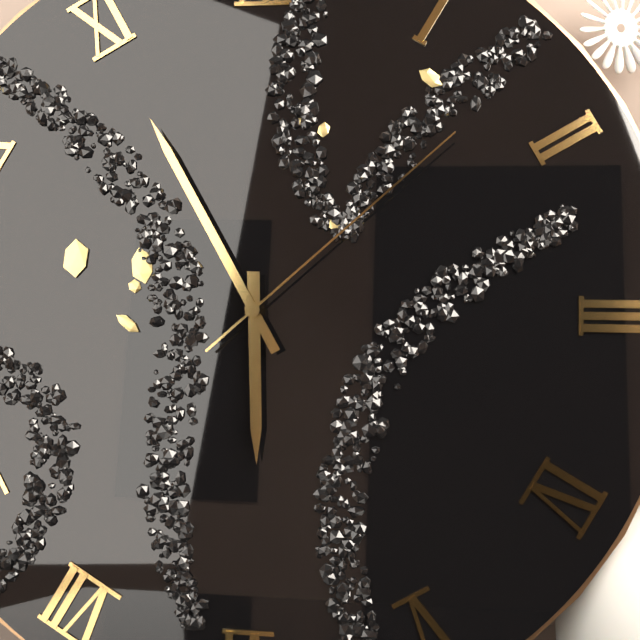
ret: 5:55:08
